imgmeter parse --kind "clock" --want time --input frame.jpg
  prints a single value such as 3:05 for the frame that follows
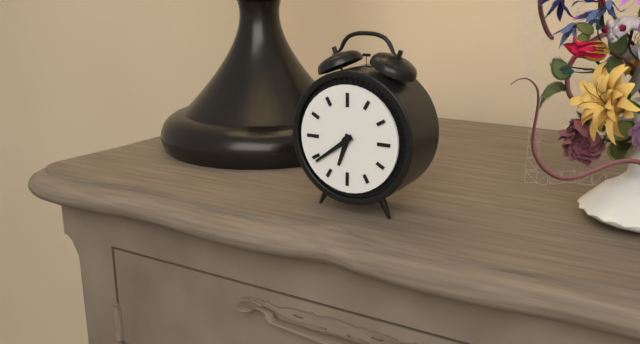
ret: 6:39
